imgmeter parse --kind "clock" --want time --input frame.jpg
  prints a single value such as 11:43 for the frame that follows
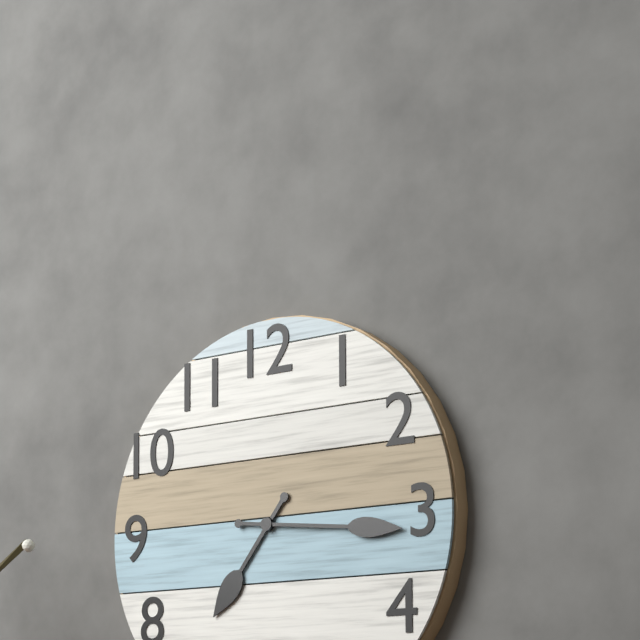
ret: 7:16
